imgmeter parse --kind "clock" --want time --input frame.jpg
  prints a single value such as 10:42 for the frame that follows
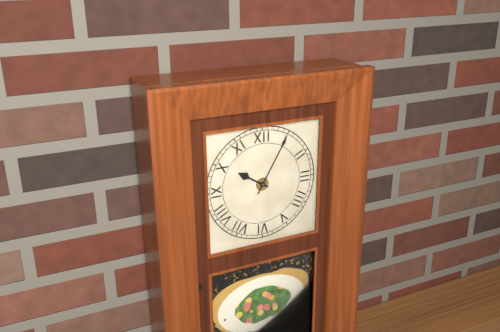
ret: 10:05
